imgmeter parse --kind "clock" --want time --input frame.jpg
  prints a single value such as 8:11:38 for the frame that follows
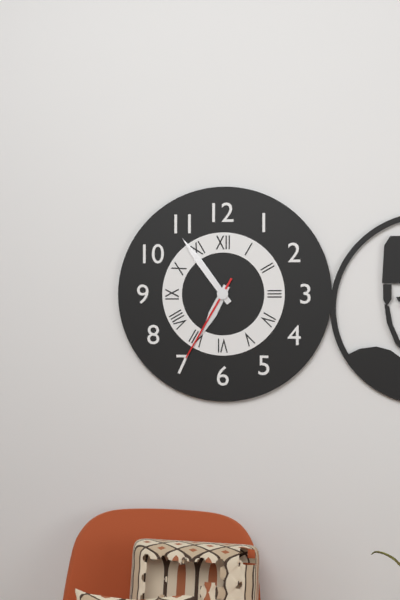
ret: 6:54:35
